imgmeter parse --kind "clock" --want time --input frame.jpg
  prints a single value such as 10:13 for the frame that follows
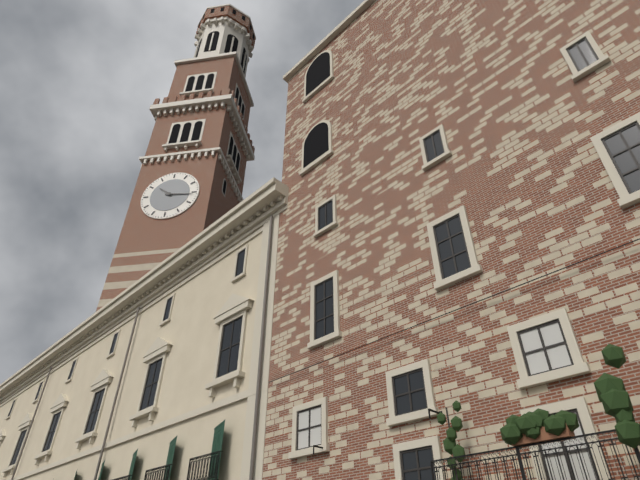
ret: 10:16
